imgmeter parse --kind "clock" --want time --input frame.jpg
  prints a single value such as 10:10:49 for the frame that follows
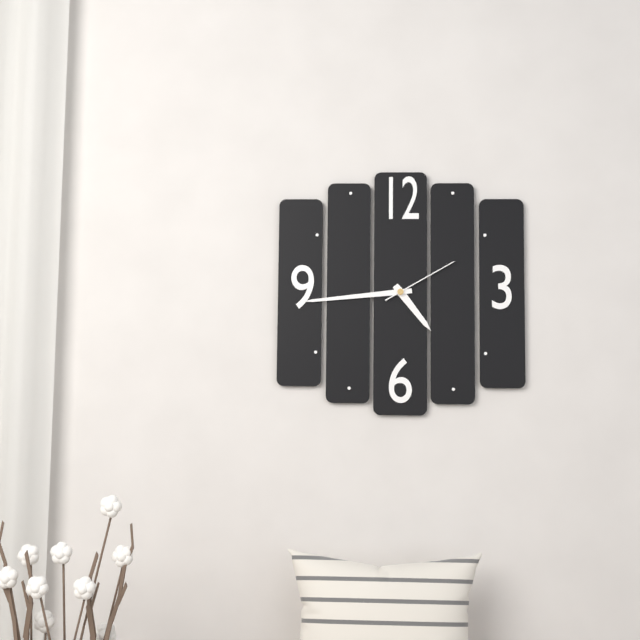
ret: 4:44:10
